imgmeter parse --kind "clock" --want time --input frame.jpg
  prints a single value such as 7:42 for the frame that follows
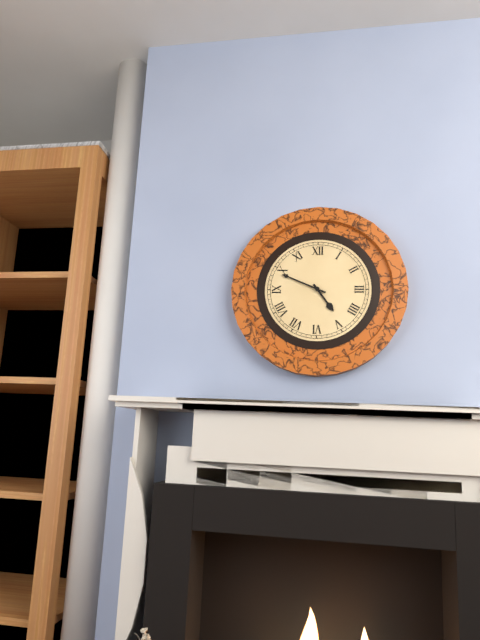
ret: 4:49
